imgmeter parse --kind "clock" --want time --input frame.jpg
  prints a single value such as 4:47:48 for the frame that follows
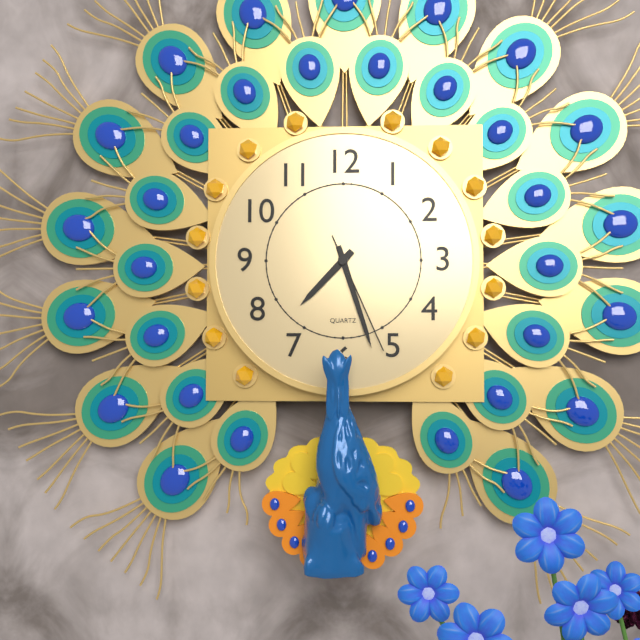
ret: 7:27:26
